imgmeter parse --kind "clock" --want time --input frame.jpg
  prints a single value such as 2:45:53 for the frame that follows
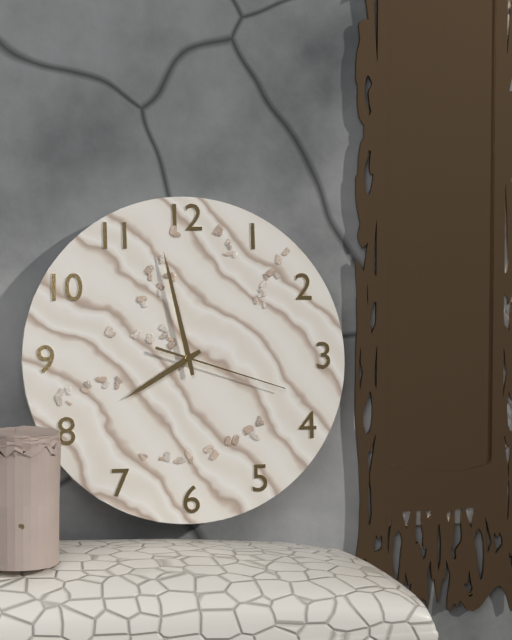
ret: 7:58:18
